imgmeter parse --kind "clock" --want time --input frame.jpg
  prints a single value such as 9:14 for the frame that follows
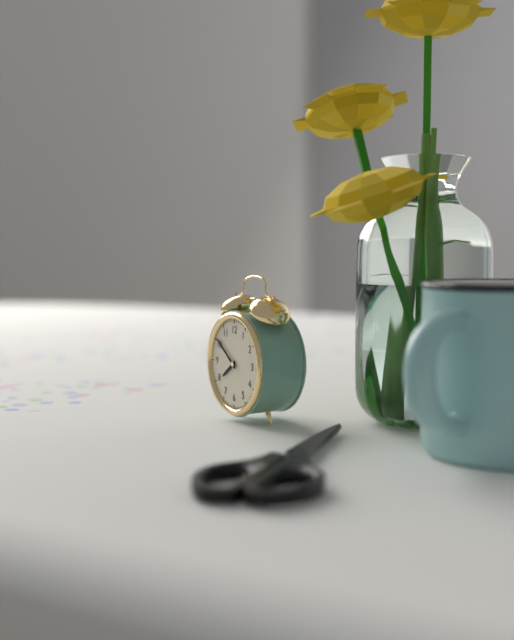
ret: 7:51
